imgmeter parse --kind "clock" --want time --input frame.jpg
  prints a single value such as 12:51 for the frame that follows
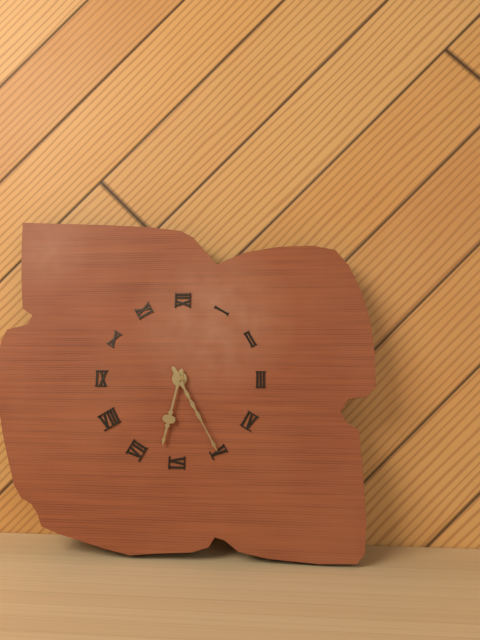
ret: 6:25
